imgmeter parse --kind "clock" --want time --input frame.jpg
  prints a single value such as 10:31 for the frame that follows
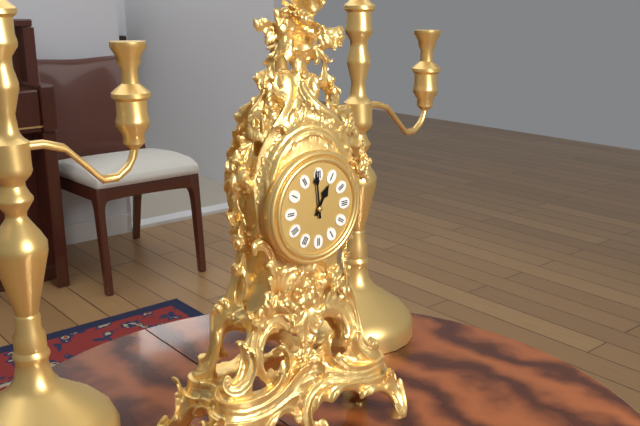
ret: 12:59
